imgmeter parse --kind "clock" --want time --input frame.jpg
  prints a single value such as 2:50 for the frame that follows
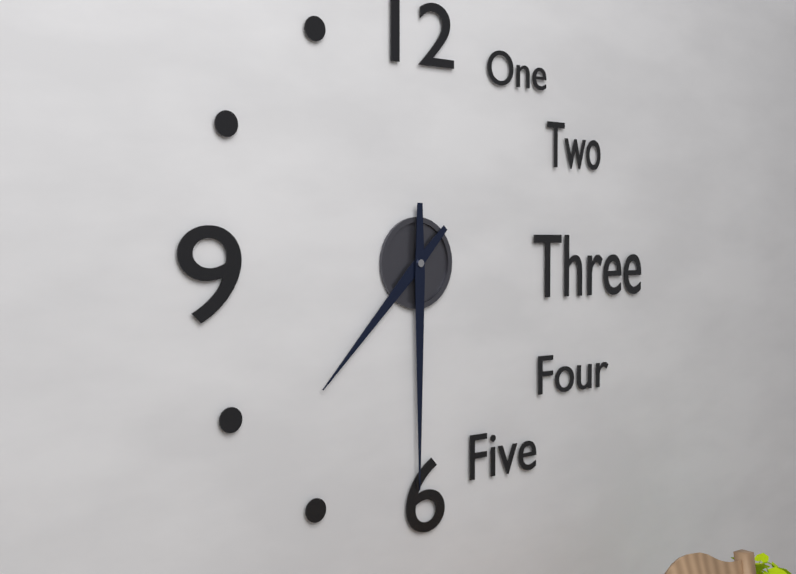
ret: 7:30
